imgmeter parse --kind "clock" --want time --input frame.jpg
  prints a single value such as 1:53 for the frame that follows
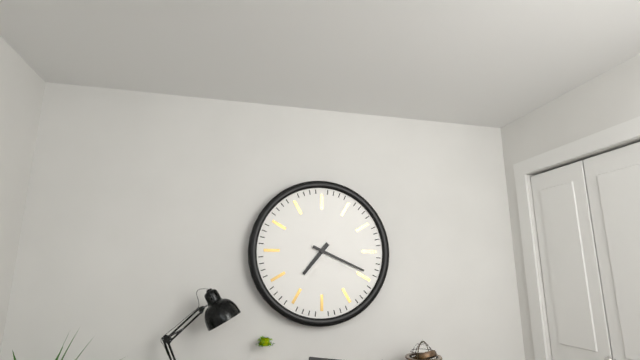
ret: 7:19
